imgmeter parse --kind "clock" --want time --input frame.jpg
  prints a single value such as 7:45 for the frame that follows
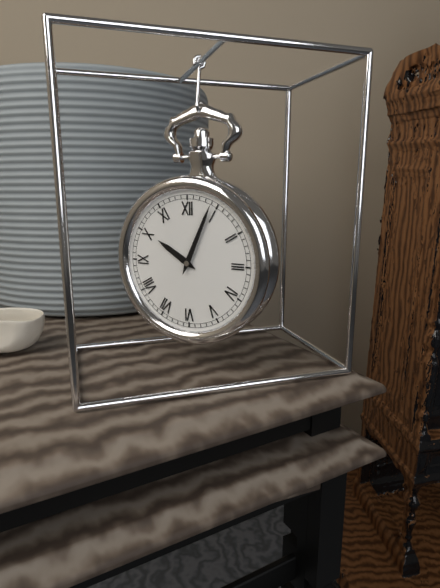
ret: 10:04
